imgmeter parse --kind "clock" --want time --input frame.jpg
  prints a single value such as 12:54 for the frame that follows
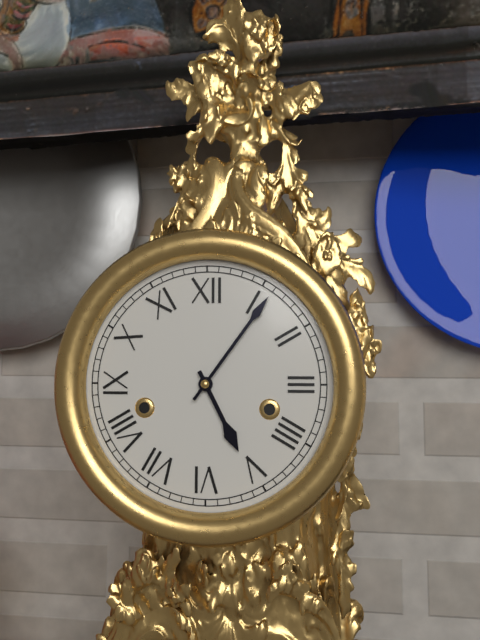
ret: 5:06
